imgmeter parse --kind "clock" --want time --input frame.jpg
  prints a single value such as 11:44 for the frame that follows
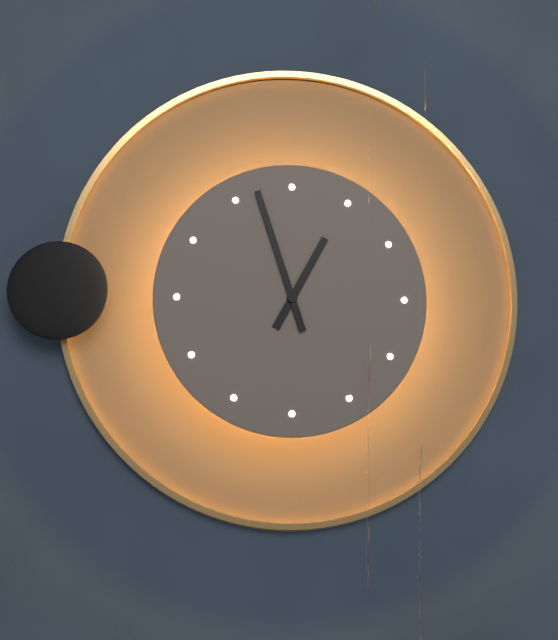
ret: 12:57
